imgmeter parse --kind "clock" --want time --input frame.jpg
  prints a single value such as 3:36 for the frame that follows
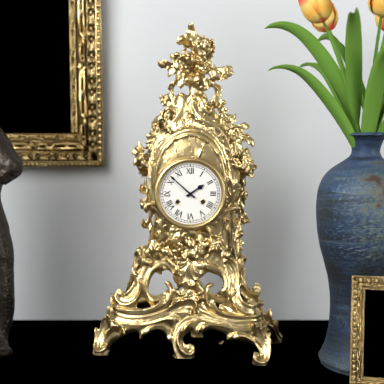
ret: 1:52
